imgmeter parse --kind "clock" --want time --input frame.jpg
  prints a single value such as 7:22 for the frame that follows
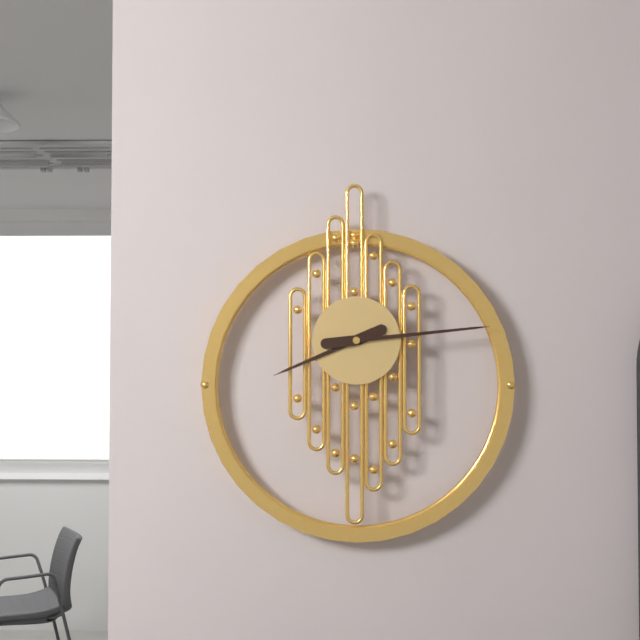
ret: 8:14
